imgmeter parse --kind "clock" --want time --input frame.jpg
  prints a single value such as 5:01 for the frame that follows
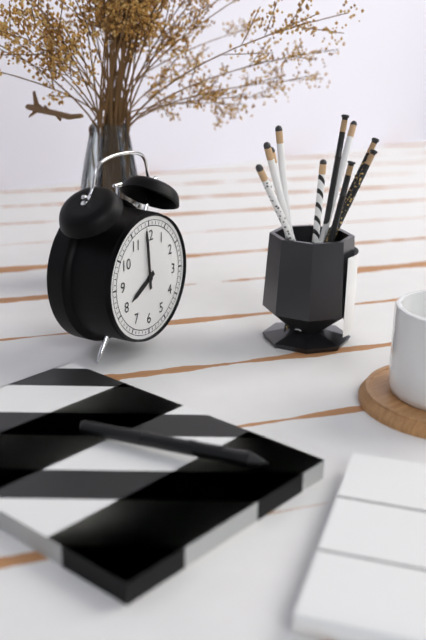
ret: 7:59
